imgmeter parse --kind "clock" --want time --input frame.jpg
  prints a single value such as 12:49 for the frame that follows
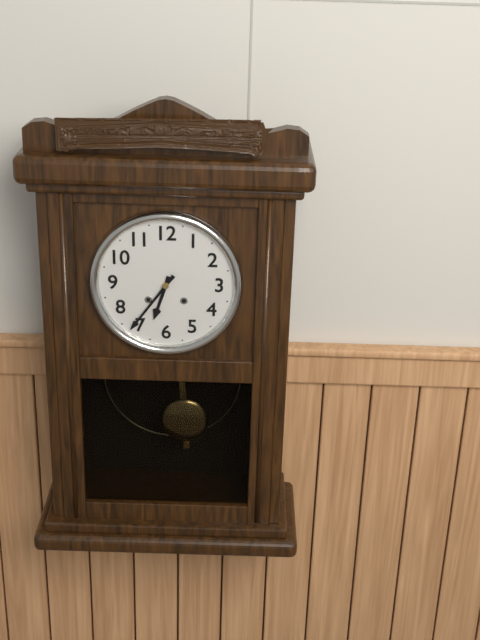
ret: 6:36
